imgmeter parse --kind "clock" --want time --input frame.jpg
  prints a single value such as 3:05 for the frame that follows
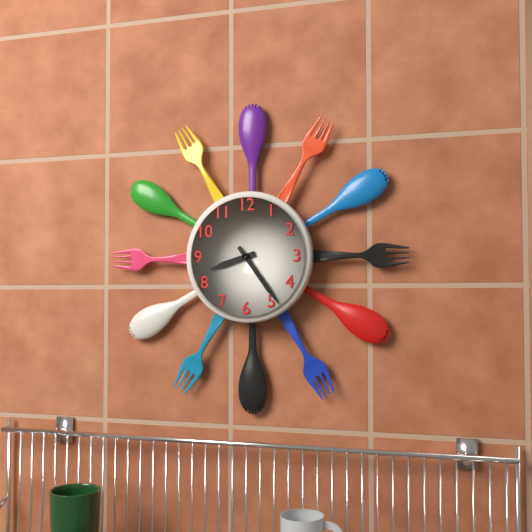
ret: 8:24
